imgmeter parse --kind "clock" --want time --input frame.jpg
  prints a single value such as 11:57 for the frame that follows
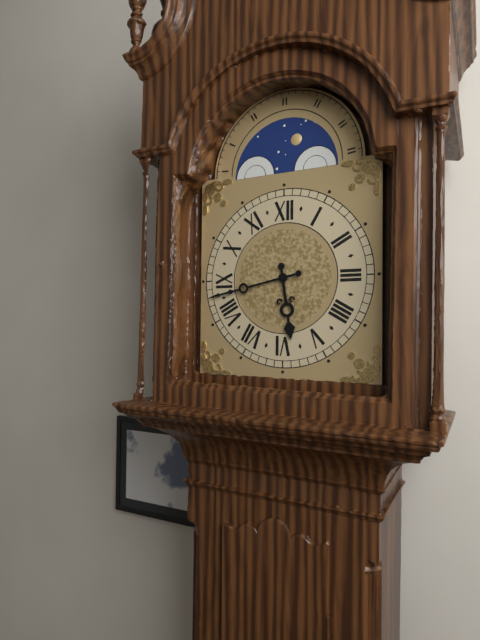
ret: 5:43
